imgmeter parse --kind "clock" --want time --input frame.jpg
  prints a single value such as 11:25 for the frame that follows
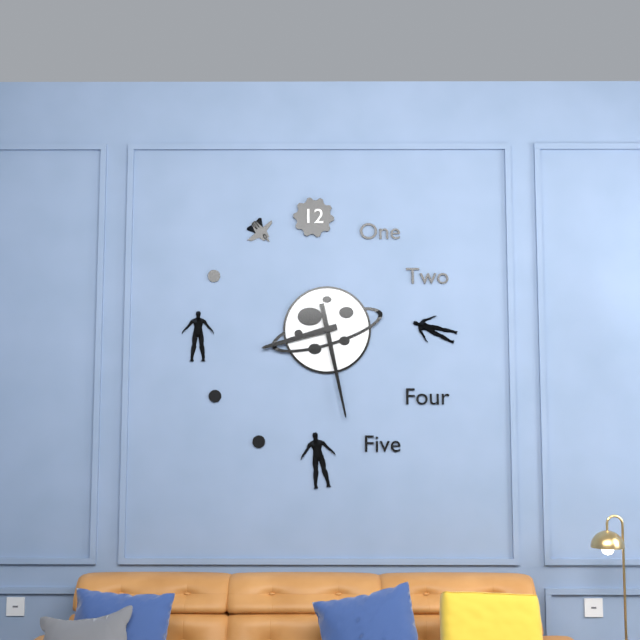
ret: 8:28
